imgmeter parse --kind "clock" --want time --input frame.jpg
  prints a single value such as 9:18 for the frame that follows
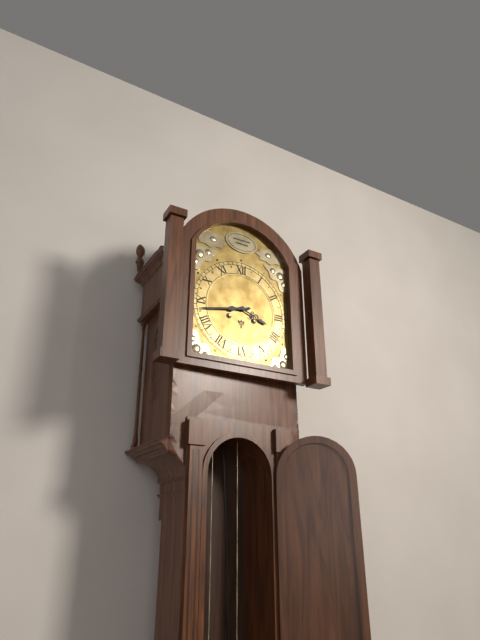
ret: 3:43
